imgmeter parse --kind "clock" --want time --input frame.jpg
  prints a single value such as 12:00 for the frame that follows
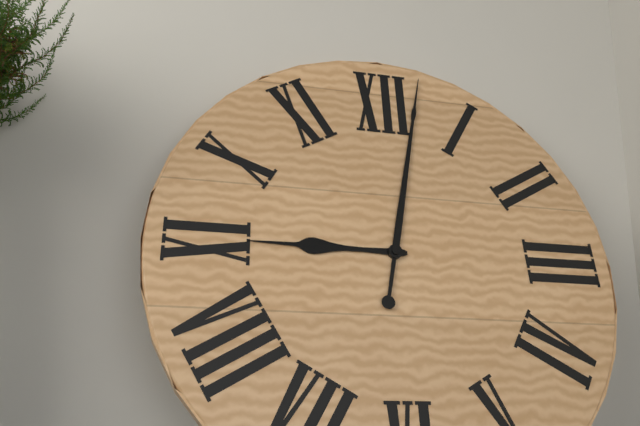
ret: 9:02
